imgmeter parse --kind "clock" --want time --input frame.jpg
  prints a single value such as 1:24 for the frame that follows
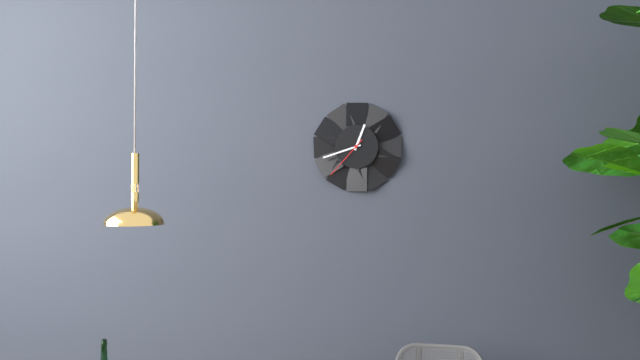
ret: 12:42
